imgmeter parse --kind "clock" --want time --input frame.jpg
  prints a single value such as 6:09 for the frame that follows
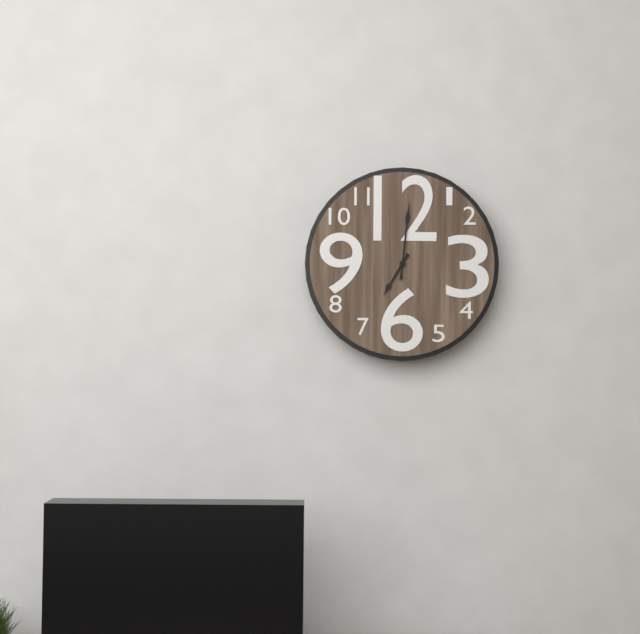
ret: 7:01
